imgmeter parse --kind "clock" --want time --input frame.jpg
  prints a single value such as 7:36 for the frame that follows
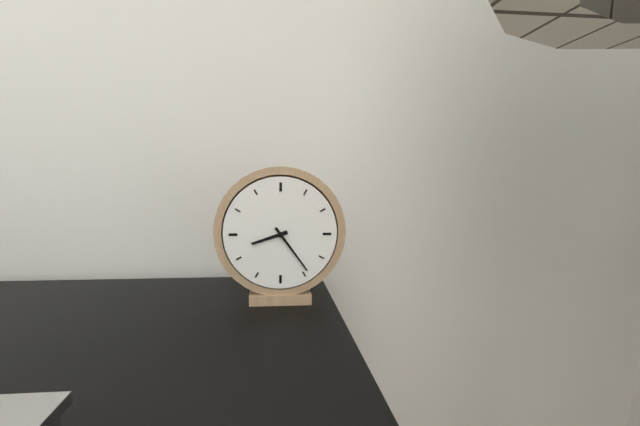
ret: 8:24
